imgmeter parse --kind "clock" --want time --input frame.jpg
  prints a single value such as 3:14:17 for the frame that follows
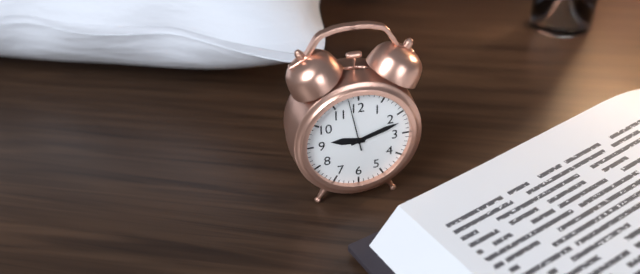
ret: 9:12:58
